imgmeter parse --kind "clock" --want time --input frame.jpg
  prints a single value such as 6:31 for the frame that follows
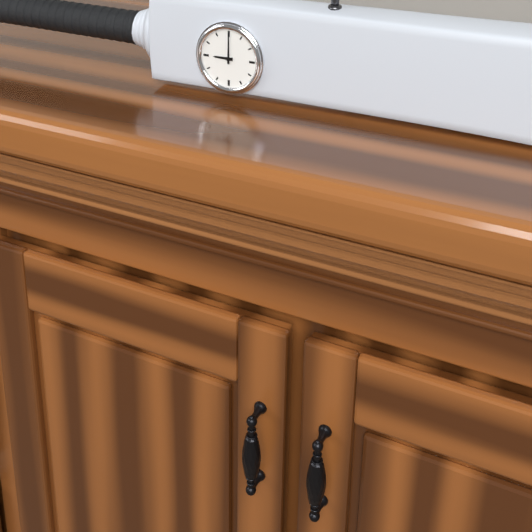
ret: 9:00
